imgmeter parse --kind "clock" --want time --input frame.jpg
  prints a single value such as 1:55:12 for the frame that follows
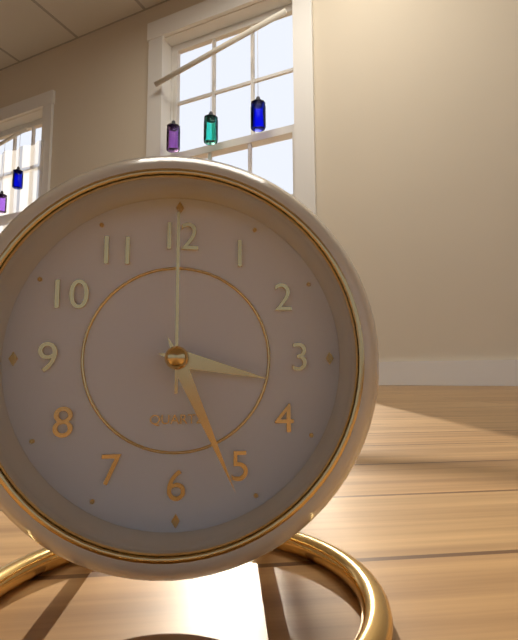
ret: 3:26:00
